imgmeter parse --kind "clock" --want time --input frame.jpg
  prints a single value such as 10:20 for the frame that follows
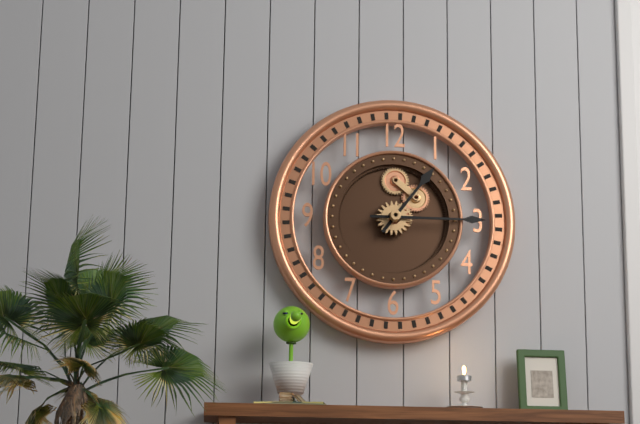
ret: 1:15
